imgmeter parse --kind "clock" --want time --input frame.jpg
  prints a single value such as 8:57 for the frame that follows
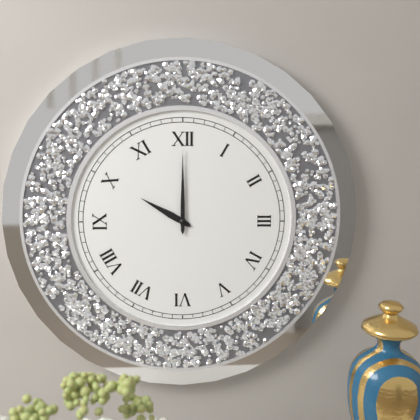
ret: 10:00
